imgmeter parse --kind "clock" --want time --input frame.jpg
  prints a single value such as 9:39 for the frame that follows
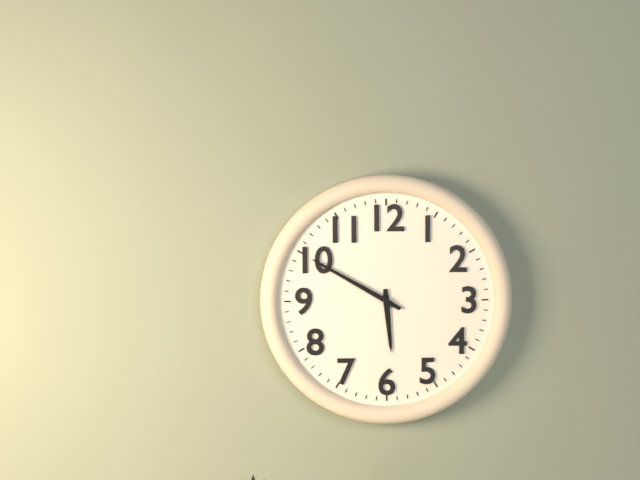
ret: 5:50
